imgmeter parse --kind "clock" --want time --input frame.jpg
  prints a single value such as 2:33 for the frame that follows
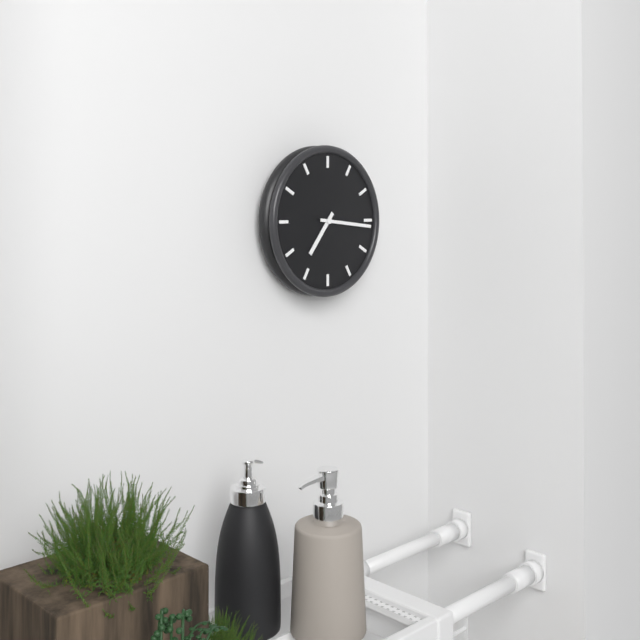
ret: 7:16
